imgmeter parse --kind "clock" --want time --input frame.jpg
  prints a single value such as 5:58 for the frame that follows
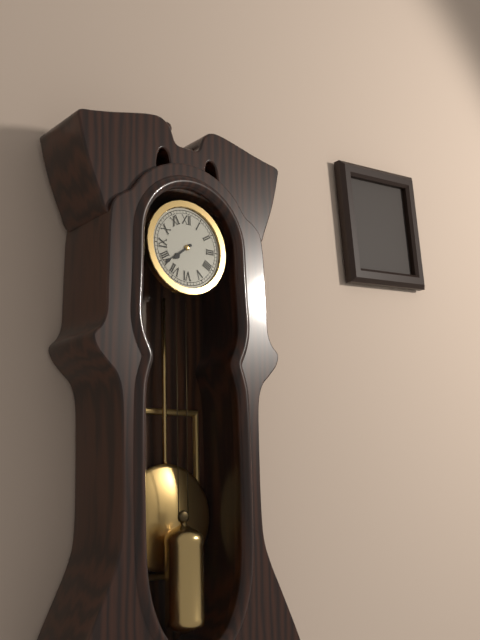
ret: 7:39
